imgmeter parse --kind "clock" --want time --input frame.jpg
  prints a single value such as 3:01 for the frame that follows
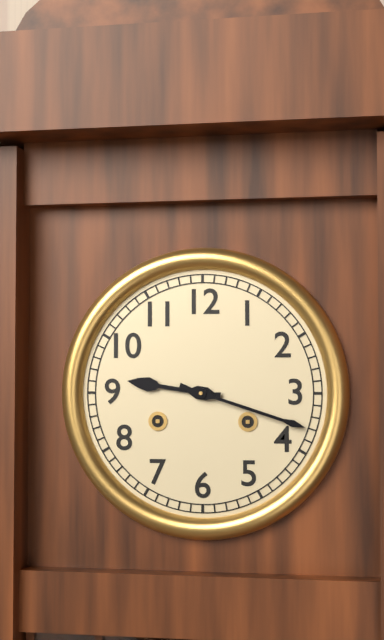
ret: 9:18
